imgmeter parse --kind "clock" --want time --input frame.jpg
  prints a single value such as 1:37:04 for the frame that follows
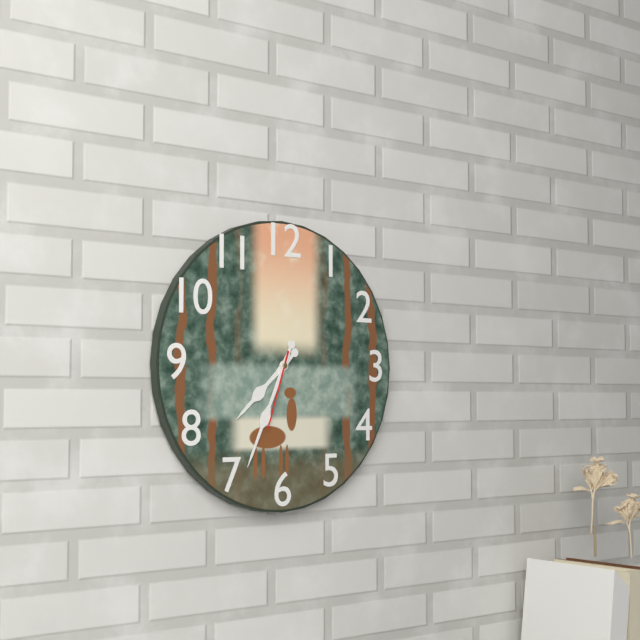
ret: 7:34:33
